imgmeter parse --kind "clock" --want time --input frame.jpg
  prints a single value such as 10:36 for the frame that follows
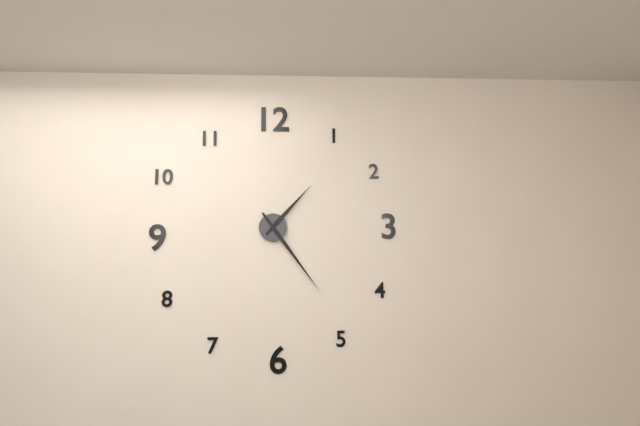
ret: 1:24
